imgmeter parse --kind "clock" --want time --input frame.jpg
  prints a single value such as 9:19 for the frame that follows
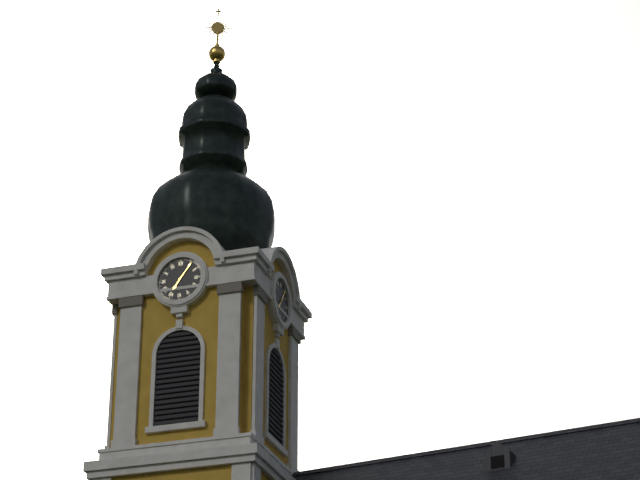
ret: 7:06
